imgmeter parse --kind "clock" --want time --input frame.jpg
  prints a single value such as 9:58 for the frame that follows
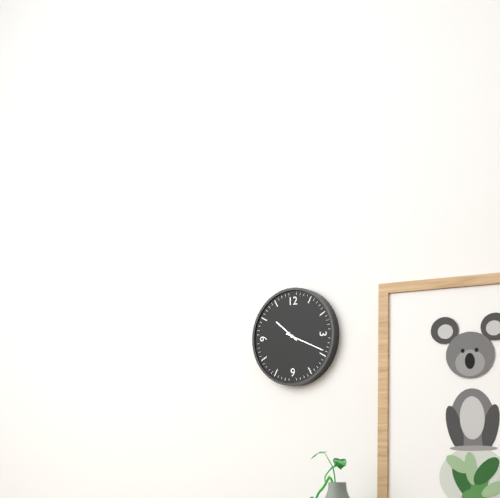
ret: 10:19
